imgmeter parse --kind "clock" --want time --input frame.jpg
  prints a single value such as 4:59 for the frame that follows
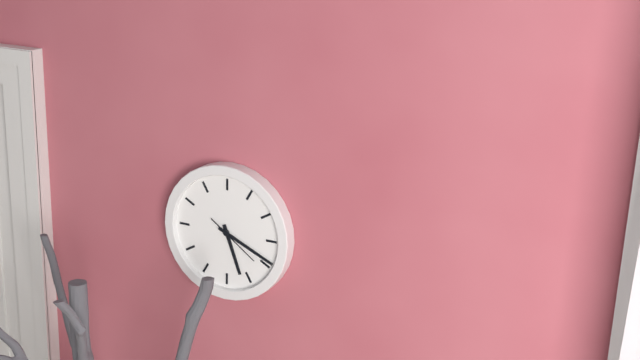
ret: 5:19
